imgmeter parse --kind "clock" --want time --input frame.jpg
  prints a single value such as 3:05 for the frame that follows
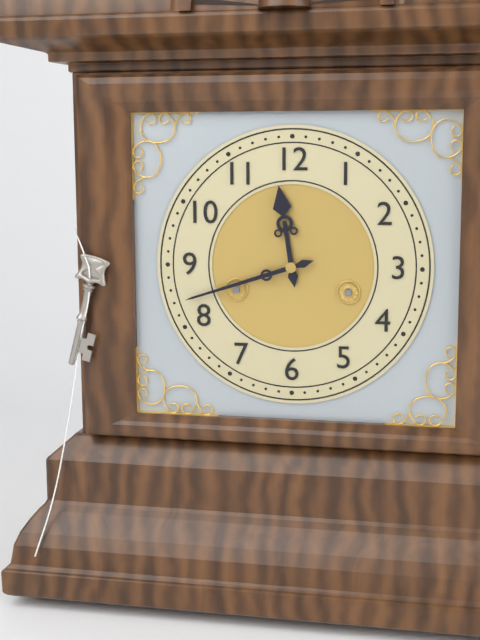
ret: 11:42
